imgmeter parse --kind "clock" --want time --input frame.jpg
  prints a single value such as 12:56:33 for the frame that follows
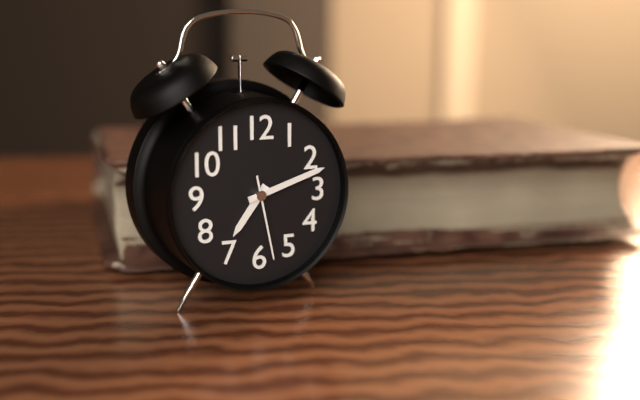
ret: 7:12:28
